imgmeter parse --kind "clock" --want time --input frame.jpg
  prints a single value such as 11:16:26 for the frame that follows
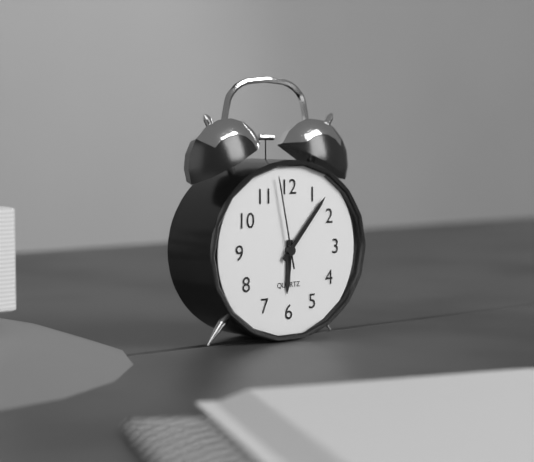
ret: 6:07:58
